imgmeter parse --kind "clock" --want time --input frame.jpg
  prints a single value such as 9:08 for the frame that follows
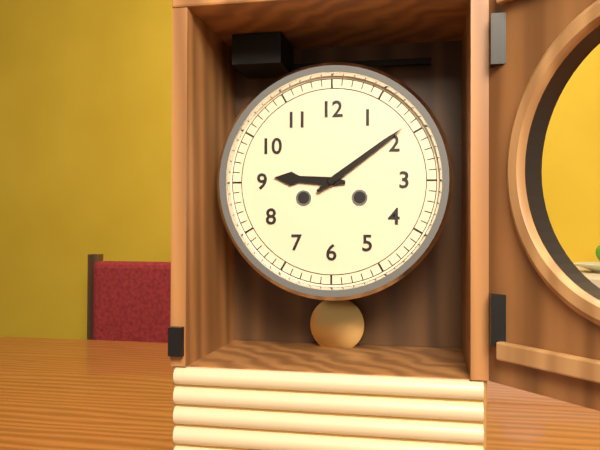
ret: 9:09
